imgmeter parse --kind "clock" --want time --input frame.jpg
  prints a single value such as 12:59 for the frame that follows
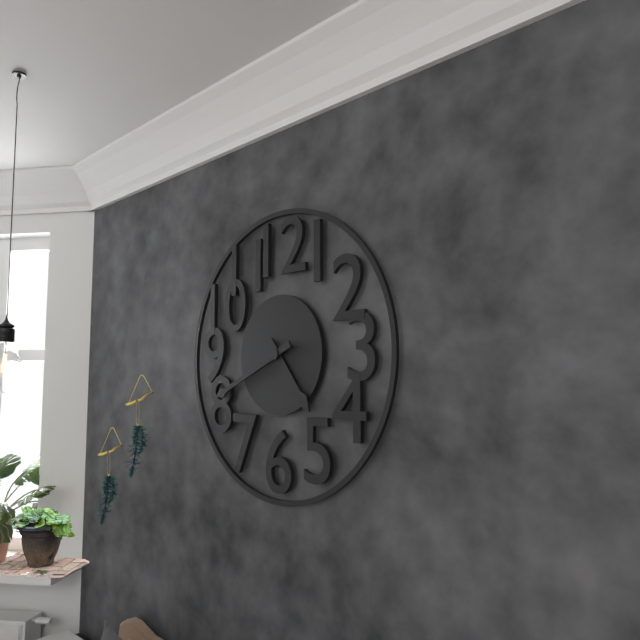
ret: 4:41
